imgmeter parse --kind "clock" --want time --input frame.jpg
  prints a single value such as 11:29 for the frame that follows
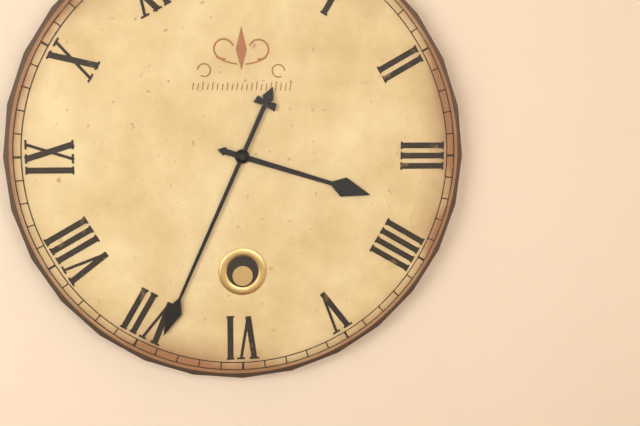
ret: 3:34
